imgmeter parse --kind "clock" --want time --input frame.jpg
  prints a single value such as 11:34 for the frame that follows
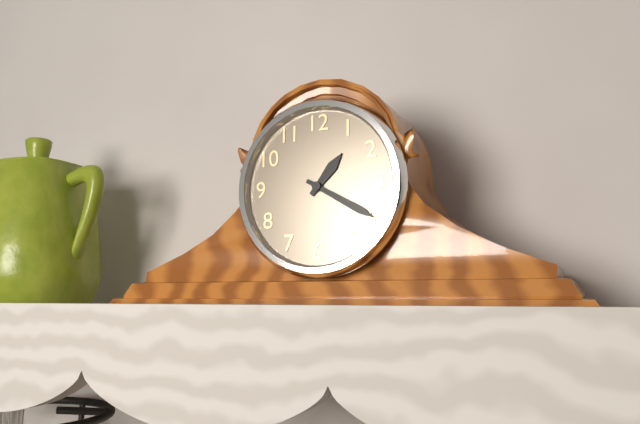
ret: 1:20
